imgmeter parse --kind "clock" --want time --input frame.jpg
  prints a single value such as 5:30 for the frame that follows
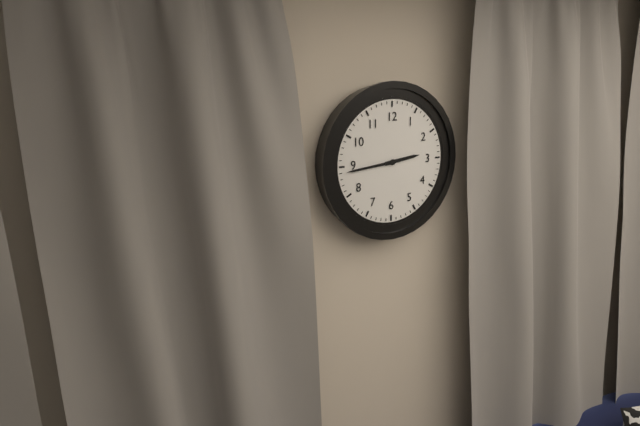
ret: 2:44
